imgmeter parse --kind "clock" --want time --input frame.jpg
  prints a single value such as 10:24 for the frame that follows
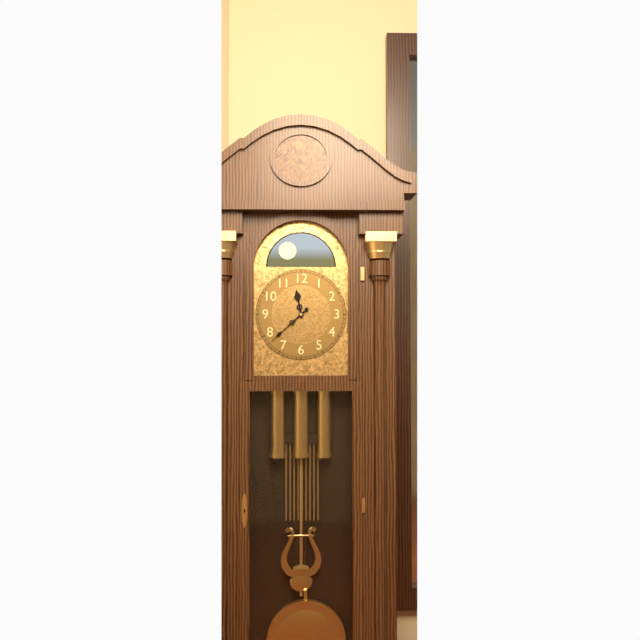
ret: 11:38
